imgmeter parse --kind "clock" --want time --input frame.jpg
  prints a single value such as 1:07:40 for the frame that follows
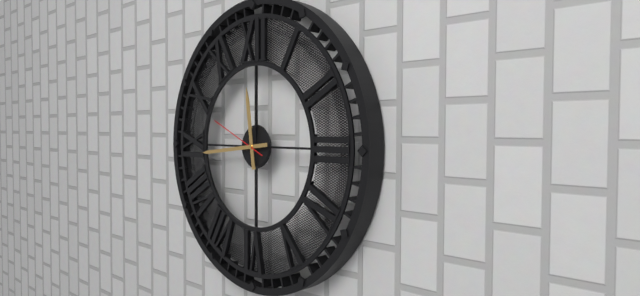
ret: 11:44:49
